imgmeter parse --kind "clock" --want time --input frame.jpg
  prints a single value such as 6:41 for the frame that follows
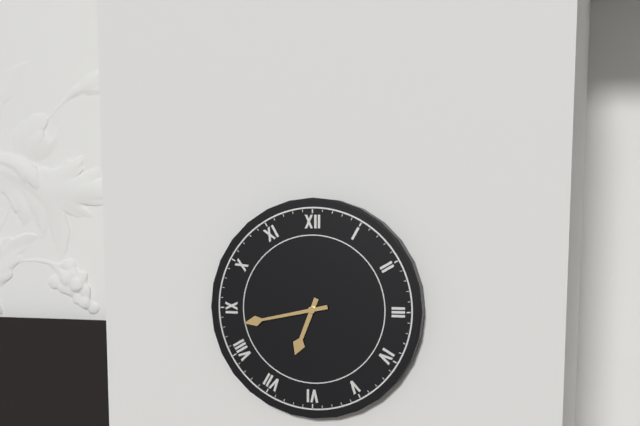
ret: 6:43
